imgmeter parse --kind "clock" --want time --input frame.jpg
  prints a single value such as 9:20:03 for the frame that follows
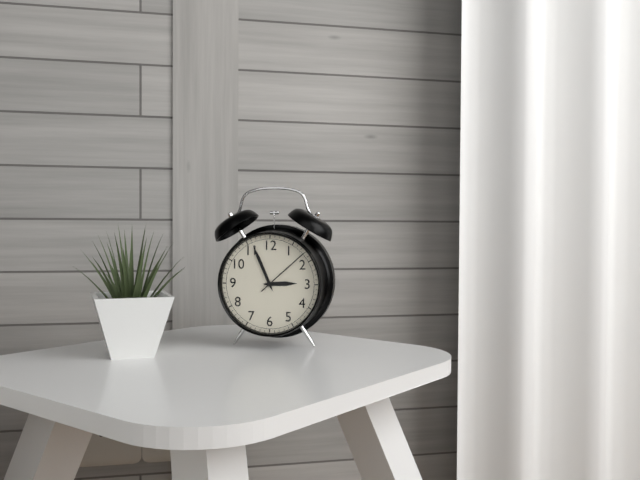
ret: 2:56:08
